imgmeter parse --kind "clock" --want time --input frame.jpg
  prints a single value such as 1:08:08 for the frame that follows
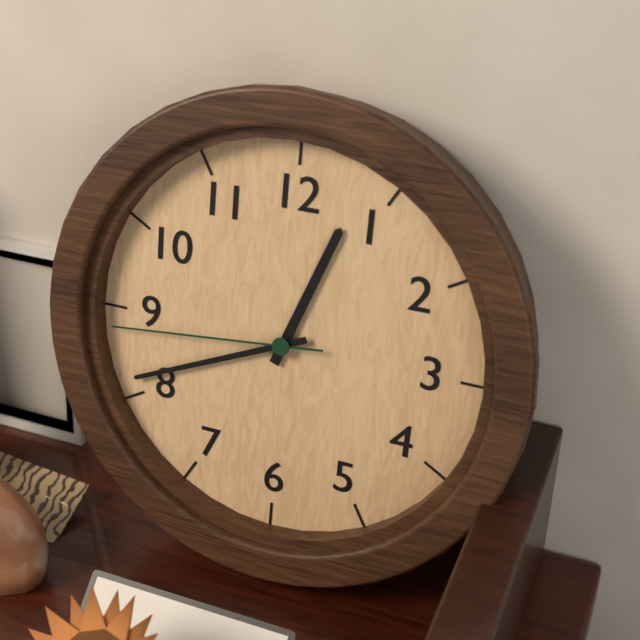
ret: 12:41:44
